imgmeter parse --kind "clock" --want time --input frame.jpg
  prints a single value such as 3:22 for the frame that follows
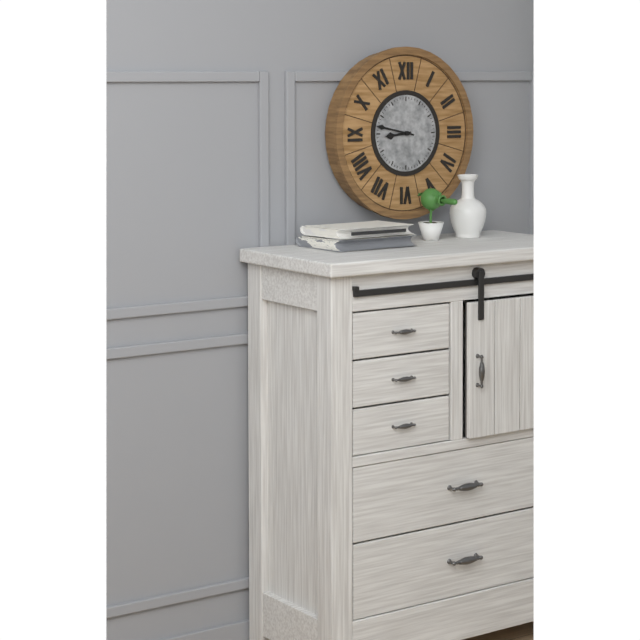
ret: 8:47
